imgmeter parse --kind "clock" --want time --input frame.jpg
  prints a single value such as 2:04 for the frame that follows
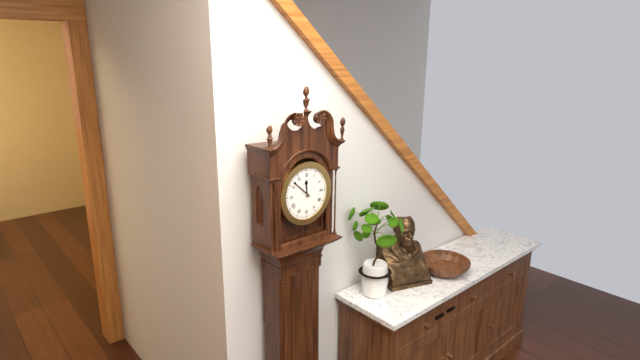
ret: 11:52
